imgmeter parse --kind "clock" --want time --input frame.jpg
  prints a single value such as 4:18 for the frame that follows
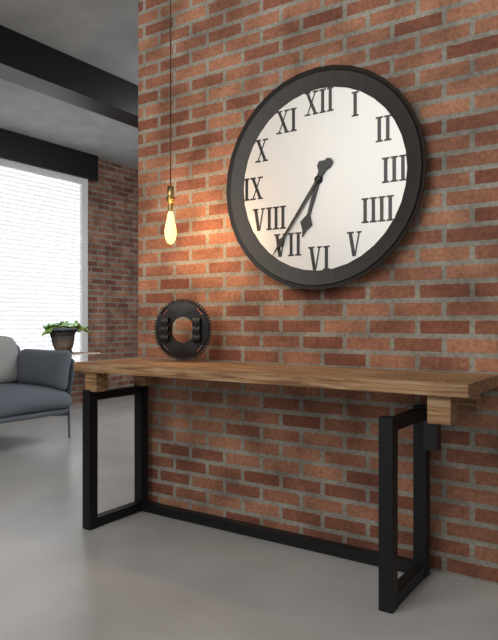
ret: 6:36
